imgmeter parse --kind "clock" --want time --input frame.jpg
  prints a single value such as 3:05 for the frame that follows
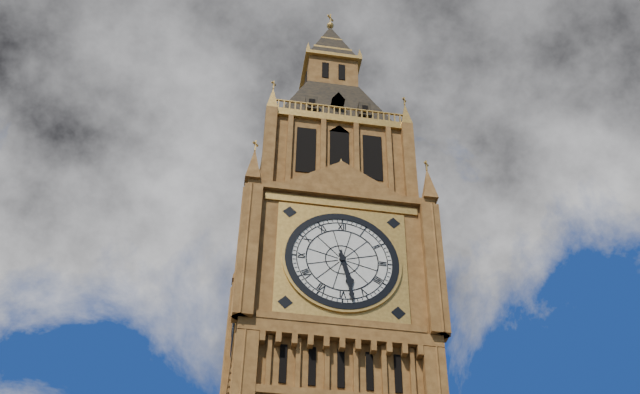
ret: 5:28
